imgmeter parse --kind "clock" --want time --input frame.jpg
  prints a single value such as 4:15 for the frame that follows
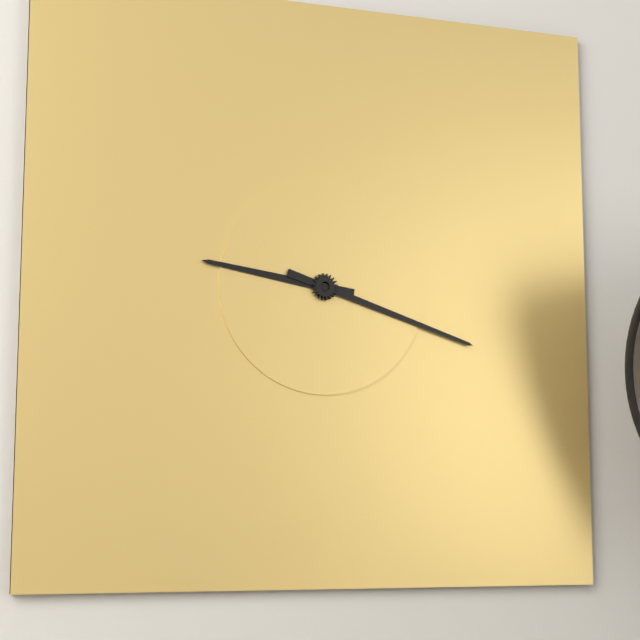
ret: 9:18
